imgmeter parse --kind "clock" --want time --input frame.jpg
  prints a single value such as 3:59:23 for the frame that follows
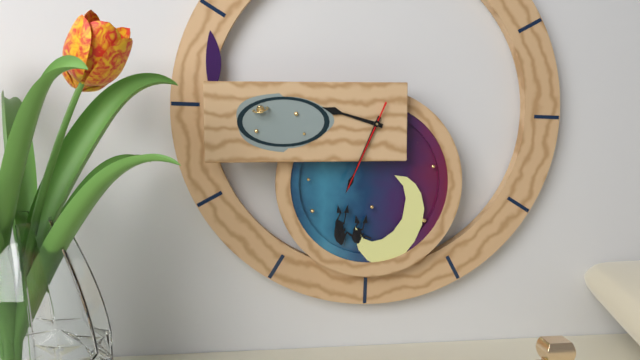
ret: 9:34:34
